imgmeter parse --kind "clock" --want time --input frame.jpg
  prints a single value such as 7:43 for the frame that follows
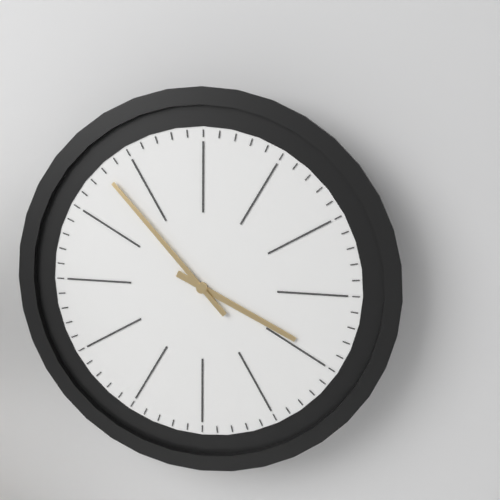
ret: 3:53
